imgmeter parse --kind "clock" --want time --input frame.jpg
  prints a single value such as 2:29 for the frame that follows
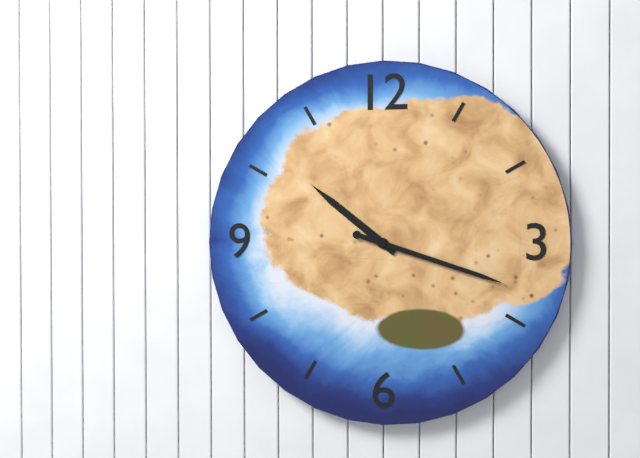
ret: 10:18
